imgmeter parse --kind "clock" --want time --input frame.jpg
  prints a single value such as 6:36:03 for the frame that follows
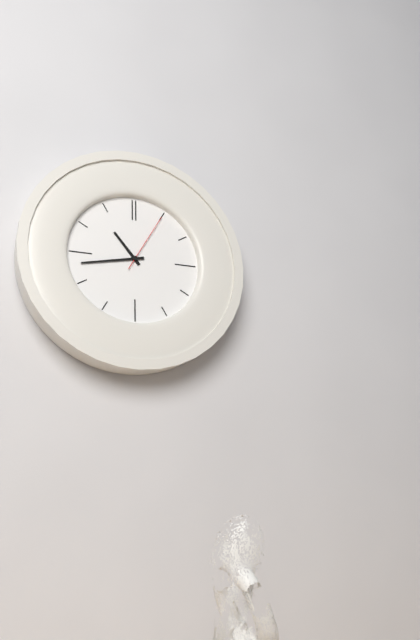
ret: 10:43:05
